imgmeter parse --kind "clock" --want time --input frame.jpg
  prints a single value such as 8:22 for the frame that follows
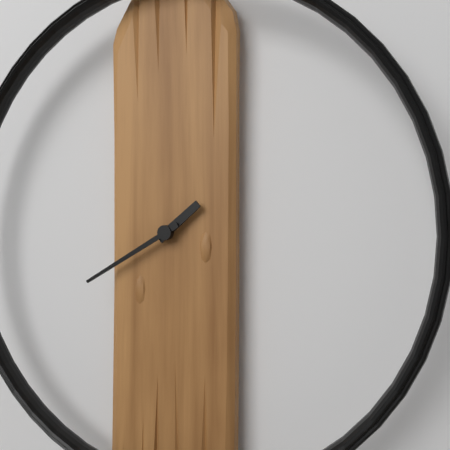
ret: 1:40
